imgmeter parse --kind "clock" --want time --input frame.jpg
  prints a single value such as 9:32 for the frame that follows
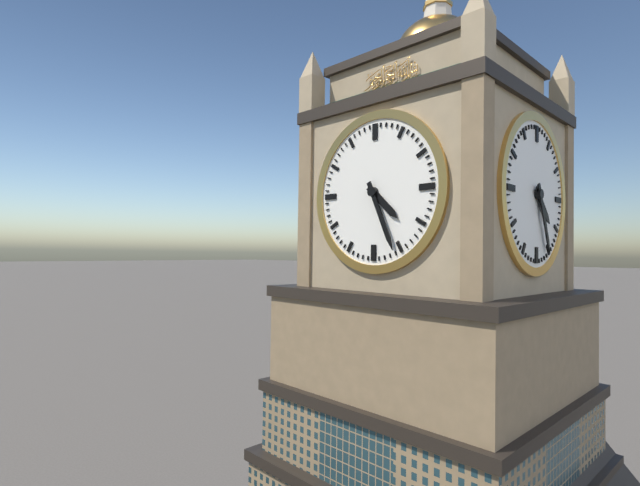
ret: 4:26
